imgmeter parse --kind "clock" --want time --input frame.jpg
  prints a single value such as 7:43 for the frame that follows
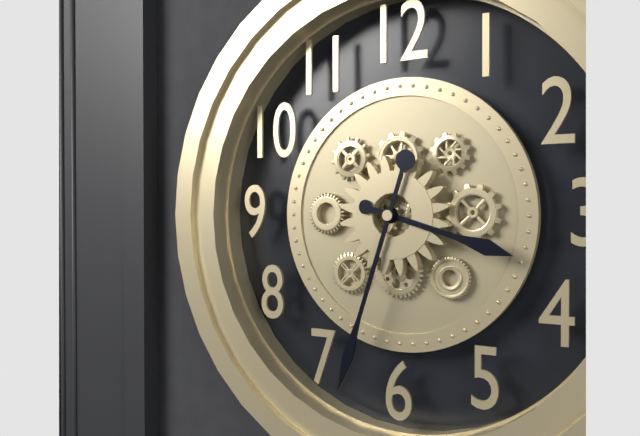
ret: 3:33
